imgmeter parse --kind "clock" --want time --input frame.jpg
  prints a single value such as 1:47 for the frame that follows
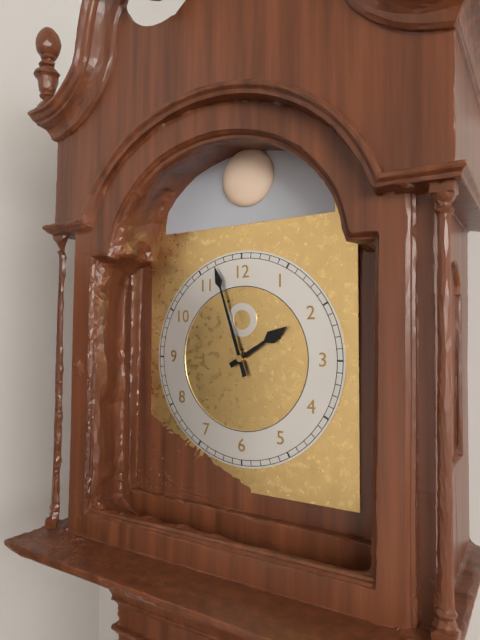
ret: 1:57
